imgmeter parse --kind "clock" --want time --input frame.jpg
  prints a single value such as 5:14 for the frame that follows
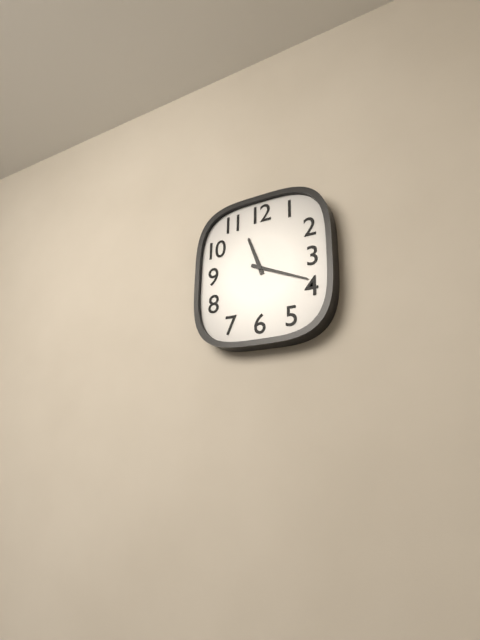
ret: 11:19
